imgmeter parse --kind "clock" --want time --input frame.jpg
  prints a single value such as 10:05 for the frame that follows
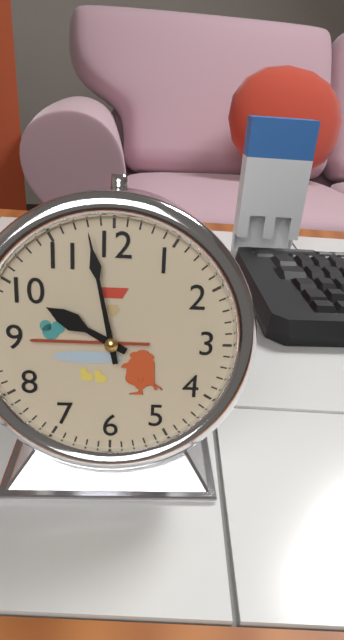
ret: 9:58
